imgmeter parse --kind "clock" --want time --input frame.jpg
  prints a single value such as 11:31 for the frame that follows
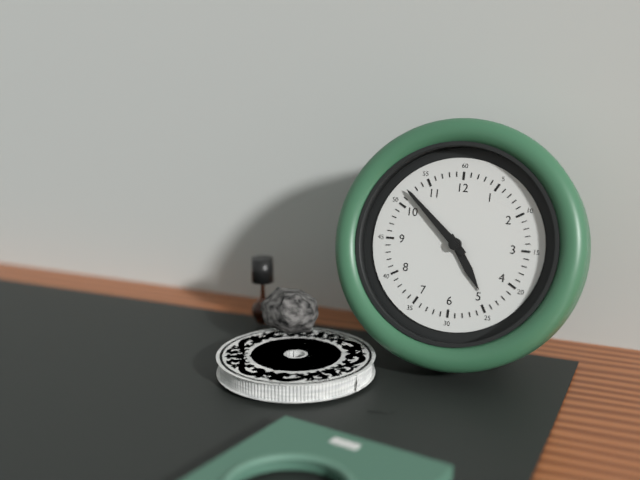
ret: 4:52
